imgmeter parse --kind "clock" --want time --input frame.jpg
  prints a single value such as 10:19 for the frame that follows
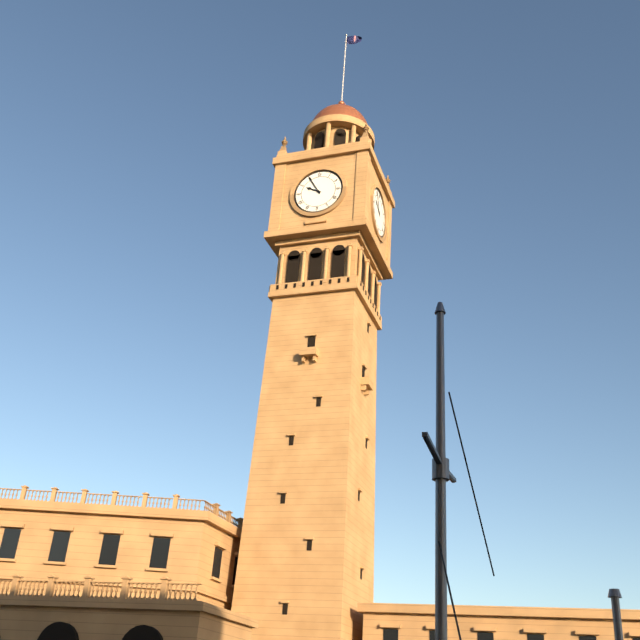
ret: 9:55
